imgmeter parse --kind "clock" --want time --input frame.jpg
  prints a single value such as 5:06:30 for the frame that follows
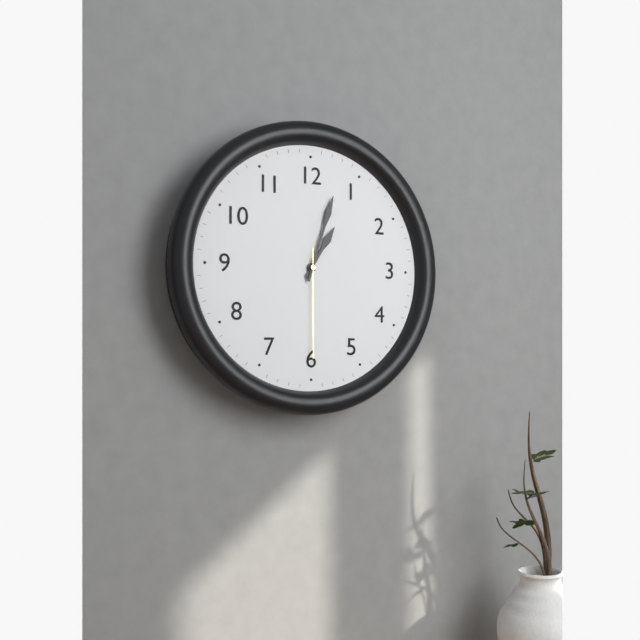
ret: 1:03:30
